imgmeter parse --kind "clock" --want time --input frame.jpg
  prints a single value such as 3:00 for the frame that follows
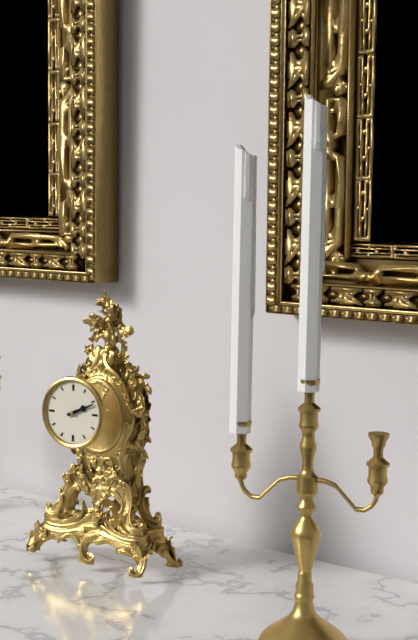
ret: 2:11
